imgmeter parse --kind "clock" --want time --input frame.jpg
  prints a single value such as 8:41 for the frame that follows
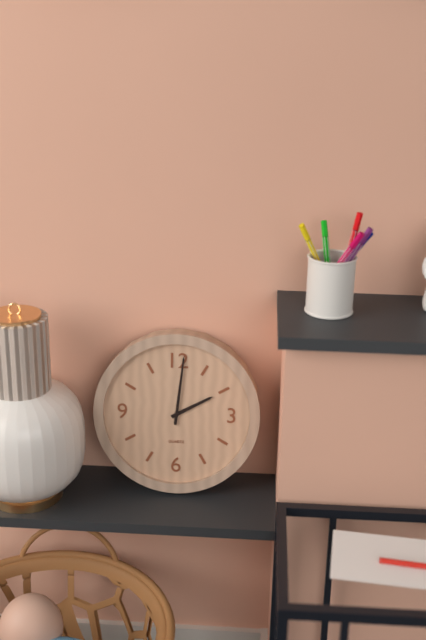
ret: 2:01
